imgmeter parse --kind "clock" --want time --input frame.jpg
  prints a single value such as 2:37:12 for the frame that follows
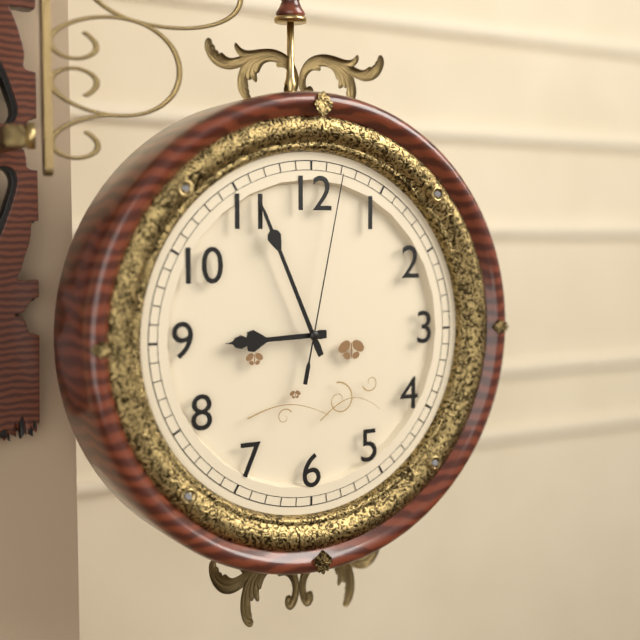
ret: 8:56:02
